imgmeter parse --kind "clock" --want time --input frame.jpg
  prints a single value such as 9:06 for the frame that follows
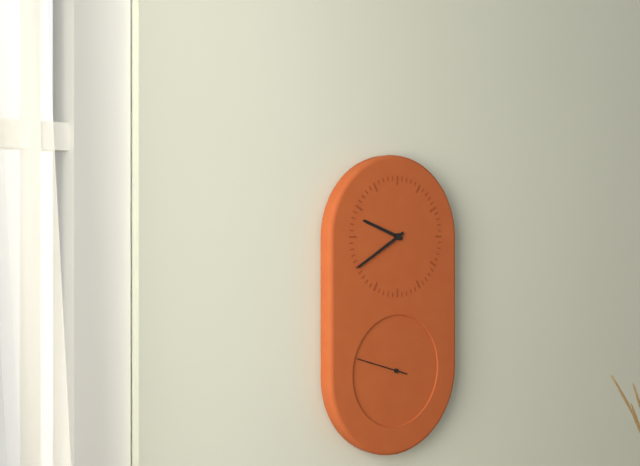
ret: 9:40
